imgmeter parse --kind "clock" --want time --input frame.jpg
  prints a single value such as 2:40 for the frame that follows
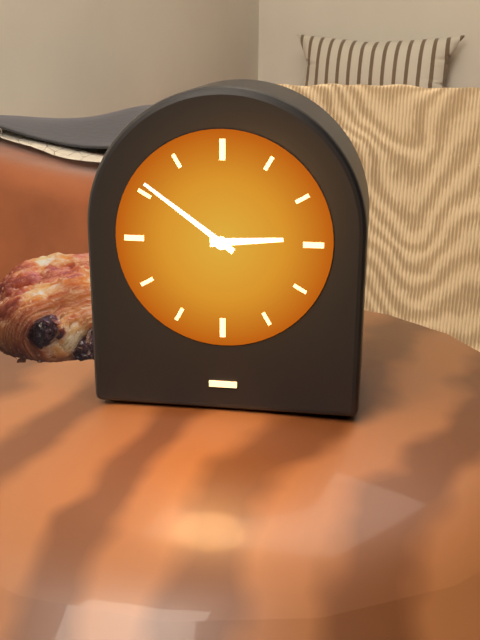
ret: 2:51
